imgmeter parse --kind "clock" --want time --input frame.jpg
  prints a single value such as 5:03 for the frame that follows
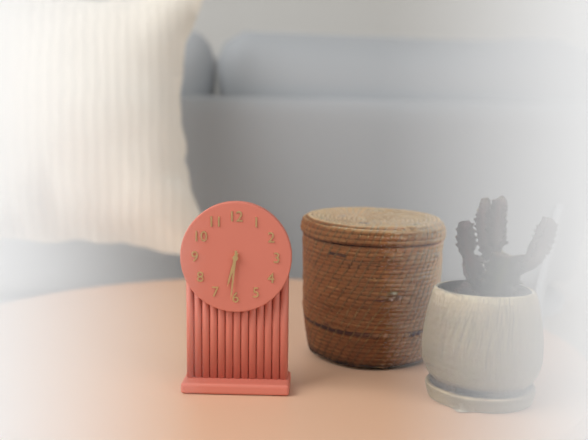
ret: 6:31
